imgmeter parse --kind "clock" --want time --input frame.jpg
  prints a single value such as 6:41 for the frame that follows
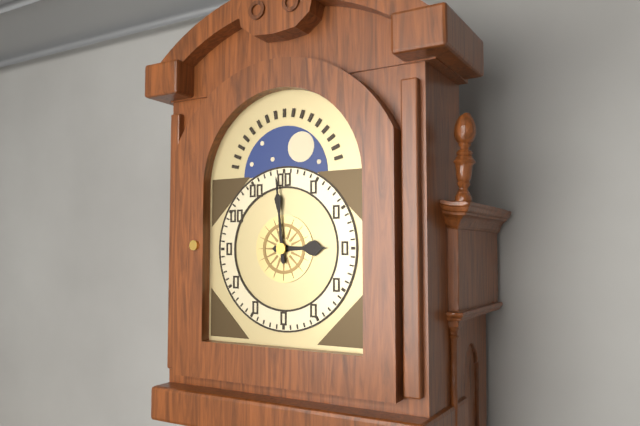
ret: 2:59
